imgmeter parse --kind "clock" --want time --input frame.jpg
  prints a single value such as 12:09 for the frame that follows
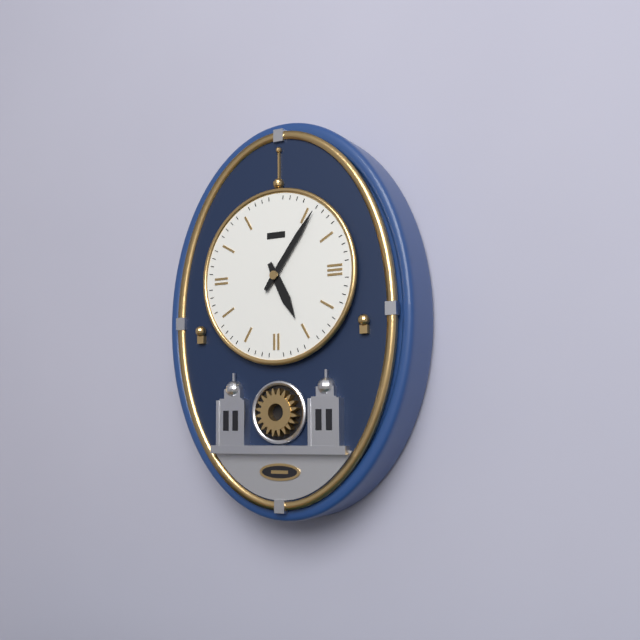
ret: 5:06
